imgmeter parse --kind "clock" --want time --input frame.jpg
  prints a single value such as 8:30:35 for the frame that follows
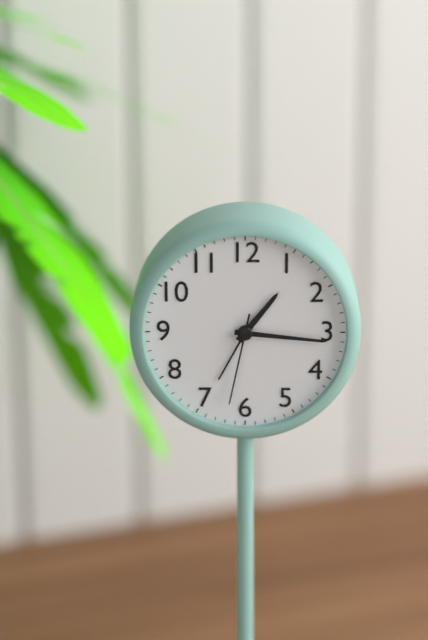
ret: 1:16:32
